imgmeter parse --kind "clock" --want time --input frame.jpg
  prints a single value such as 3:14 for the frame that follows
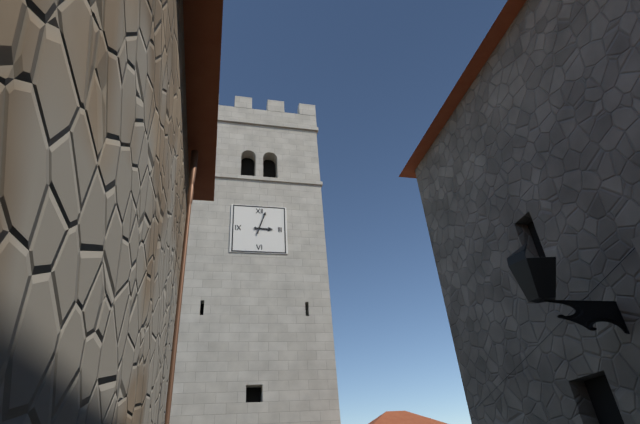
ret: 3:03
